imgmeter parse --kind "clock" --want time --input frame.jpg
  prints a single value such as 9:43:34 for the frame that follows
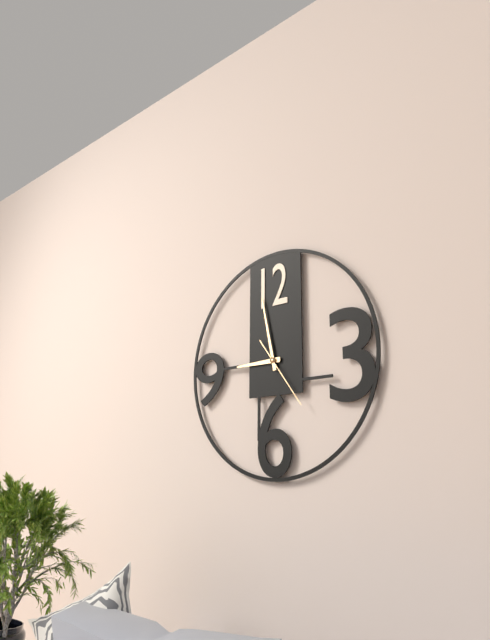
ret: 8:58:24
